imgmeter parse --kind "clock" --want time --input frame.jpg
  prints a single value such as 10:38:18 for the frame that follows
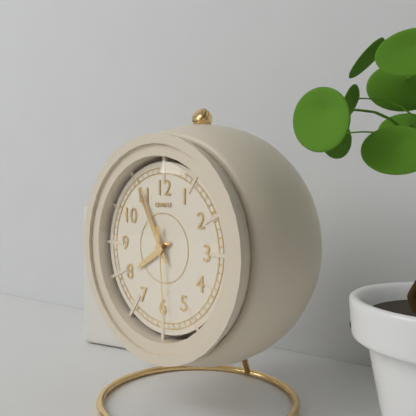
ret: 7:55:29
